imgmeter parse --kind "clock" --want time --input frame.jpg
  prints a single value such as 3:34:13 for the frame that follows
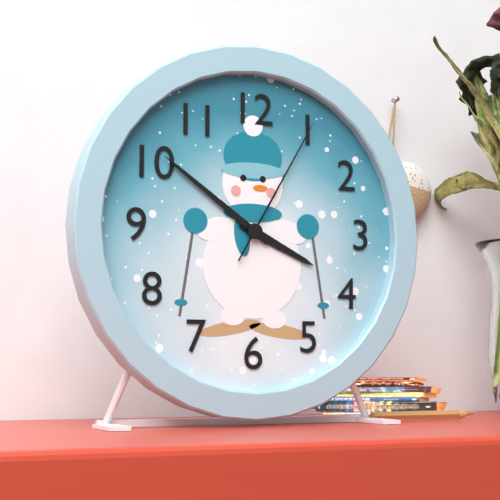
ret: 3:51:05
